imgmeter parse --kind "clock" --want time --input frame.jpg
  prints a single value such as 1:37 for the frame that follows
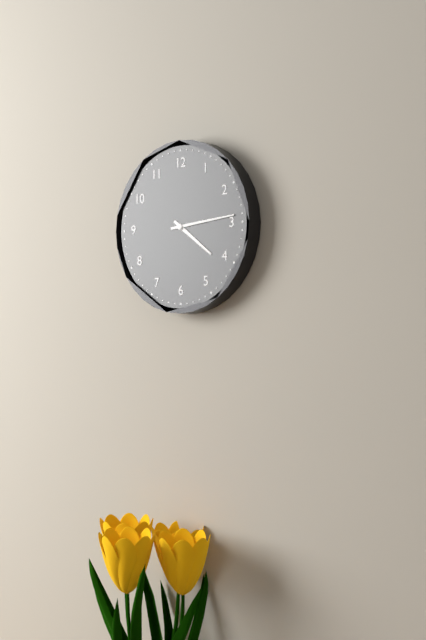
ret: 4:14
